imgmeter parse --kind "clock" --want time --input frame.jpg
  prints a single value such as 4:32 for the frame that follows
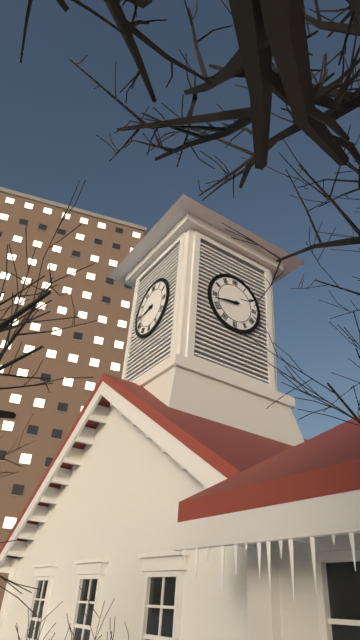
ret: 8:43
